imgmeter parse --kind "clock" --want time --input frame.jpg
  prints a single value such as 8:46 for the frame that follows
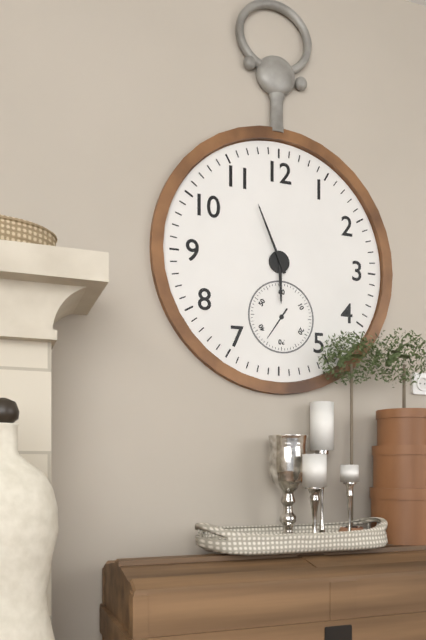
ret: 5:56
